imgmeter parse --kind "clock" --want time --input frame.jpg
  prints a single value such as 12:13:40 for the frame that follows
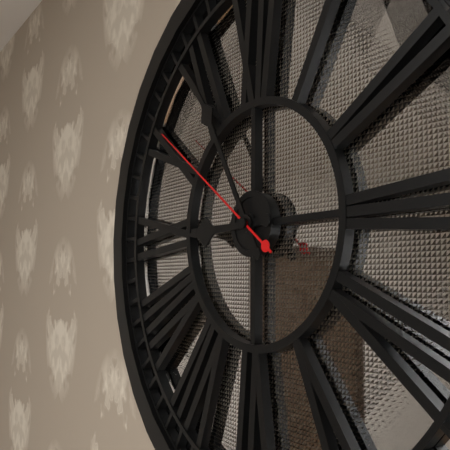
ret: 8:55:51
